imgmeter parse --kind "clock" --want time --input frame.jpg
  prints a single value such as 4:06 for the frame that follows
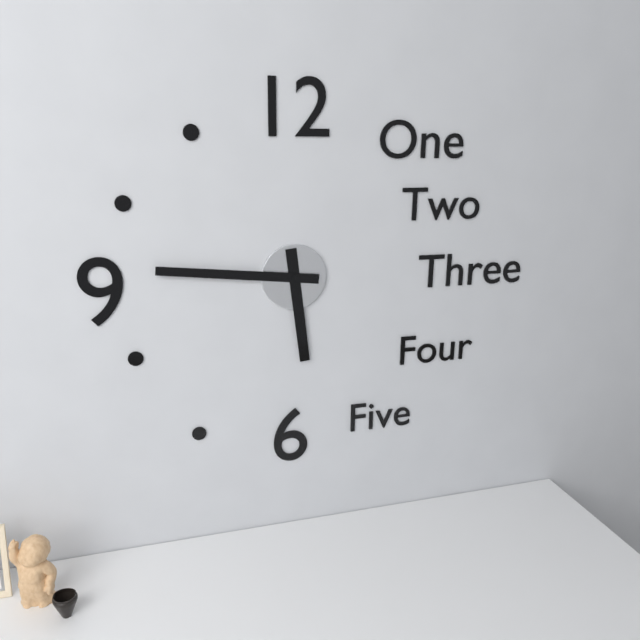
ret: 5:46
